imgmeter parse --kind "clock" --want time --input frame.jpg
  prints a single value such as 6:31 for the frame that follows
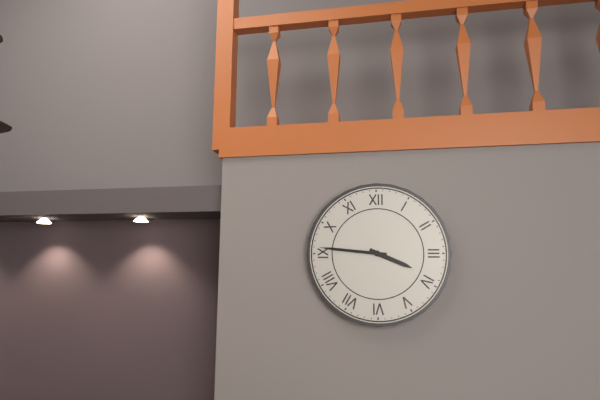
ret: 3:46
